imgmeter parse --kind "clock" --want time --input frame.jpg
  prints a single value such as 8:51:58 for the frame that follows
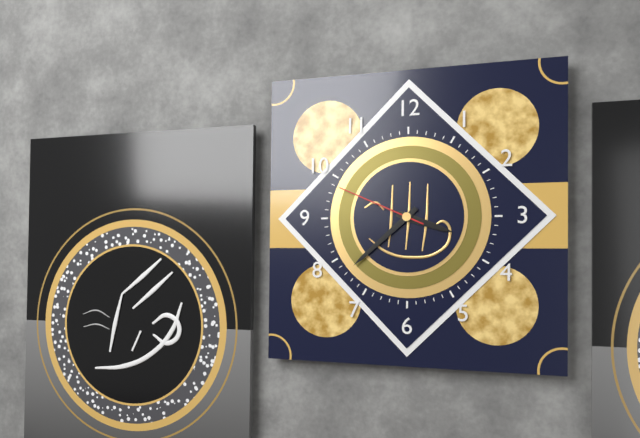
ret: 3:38:49
